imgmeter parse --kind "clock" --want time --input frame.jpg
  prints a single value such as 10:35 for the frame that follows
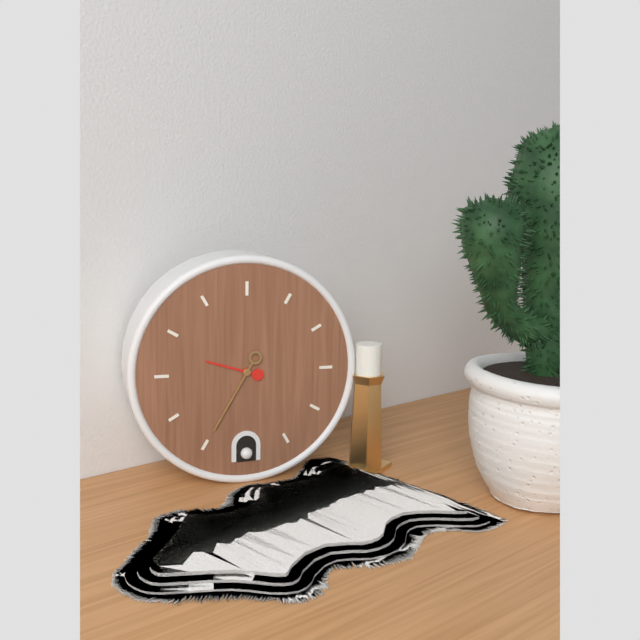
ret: 9:35
